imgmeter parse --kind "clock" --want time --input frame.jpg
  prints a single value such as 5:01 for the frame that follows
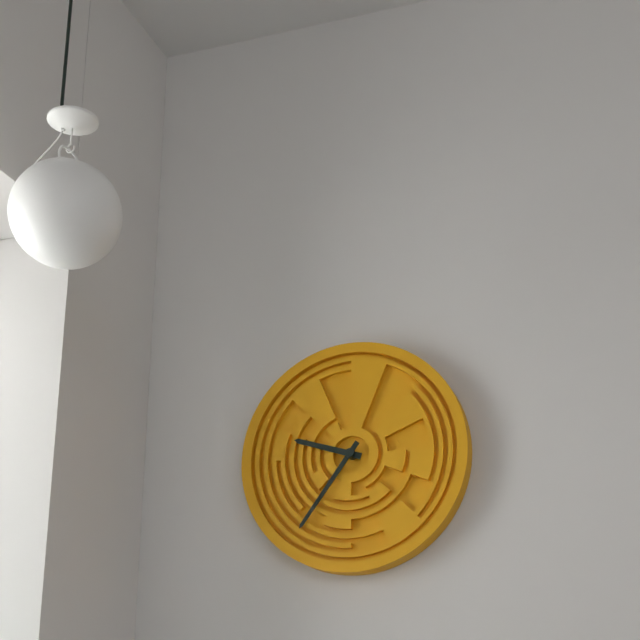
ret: 9:36
